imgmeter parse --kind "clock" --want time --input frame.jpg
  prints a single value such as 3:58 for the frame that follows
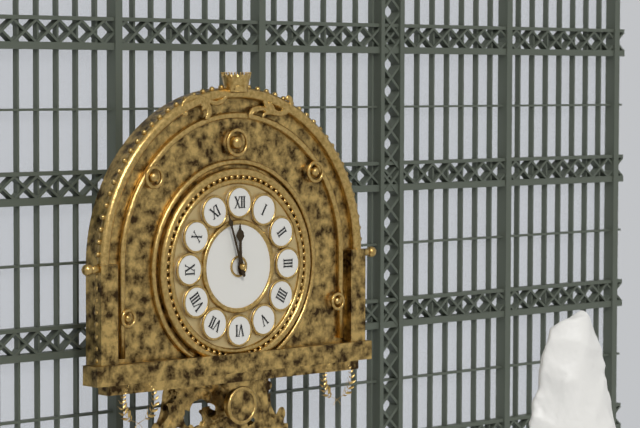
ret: 11:57
